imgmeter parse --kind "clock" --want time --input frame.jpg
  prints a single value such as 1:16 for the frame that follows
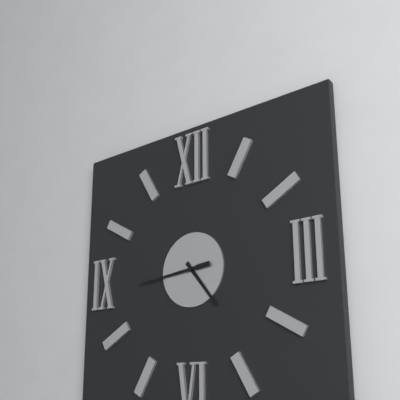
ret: 4:44
